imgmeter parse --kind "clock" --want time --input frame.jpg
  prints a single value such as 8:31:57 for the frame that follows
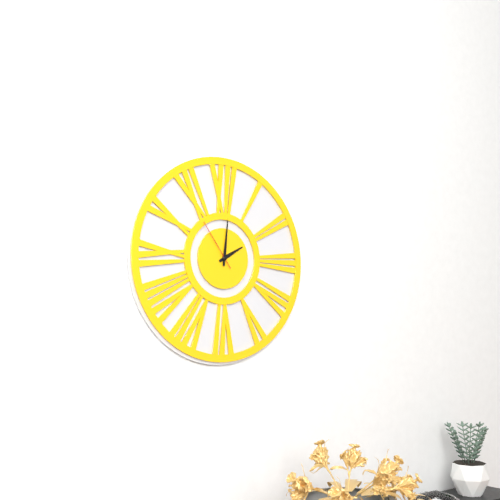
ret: 2:01:54
